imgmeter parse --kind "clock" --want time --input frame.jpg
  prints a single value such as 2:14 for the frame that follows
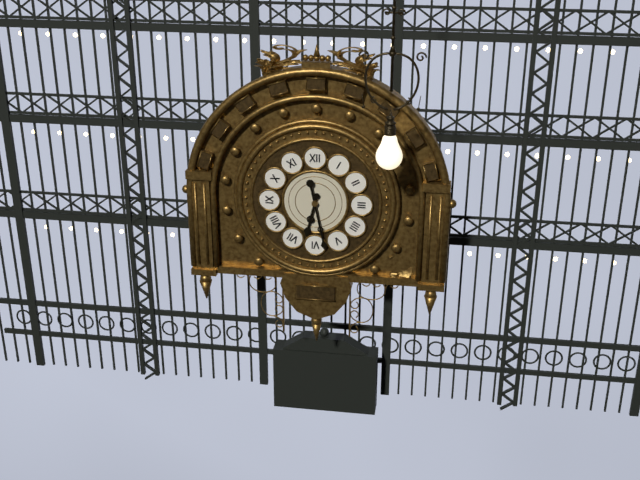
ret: 6:28
